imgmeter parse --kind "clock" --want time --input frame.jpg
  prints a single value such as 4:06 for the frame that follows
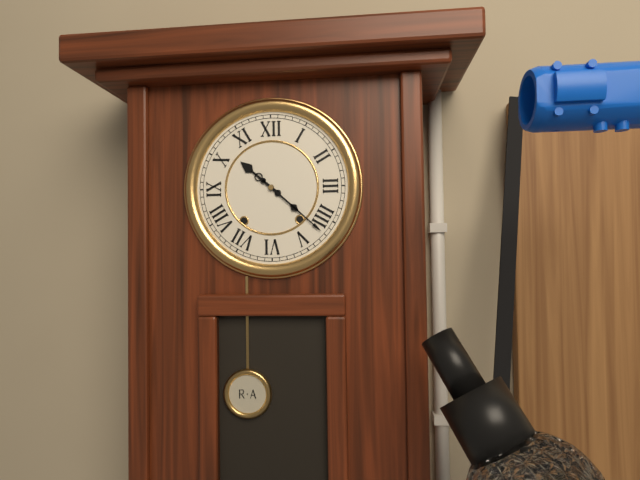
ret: 10:22
